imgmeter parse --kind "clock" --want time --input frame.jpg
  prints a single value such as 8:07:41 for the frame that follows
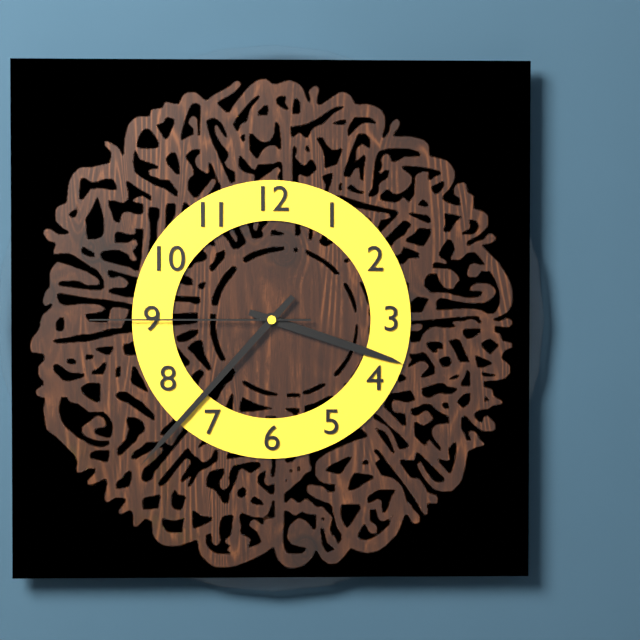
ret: 3:37:45
